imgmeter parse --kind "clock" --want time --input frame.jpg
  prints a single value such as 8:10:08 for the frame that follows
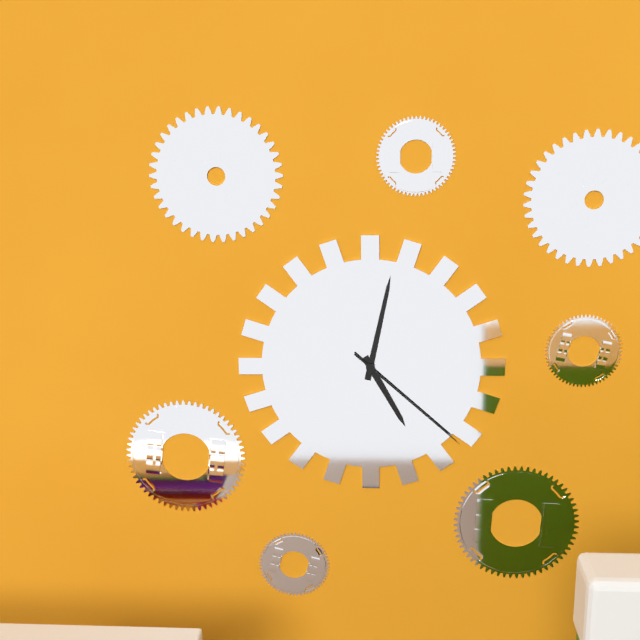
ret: 5:02:22
